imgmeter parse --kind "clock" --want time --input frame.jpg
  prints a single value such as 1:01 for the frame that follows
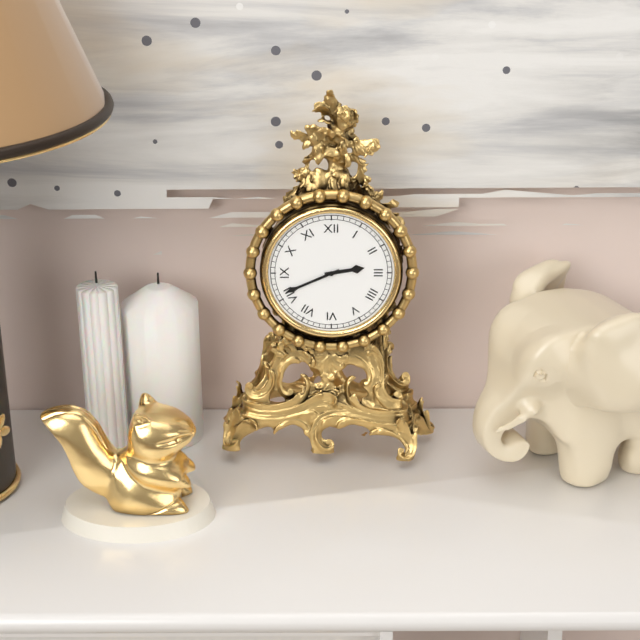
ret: 2:41
